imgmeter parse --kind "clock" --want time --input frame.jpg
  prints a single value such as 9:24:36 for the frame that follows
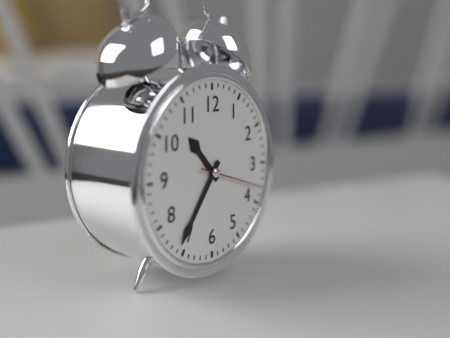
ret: 10:36:18
